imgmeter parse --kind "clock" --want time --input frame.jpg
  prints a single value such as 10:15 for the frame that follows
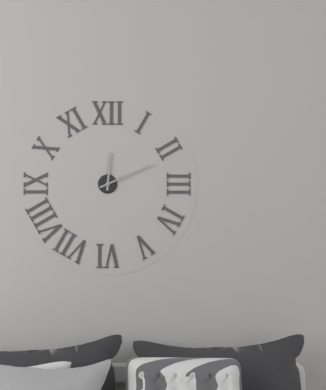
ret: 12:11
